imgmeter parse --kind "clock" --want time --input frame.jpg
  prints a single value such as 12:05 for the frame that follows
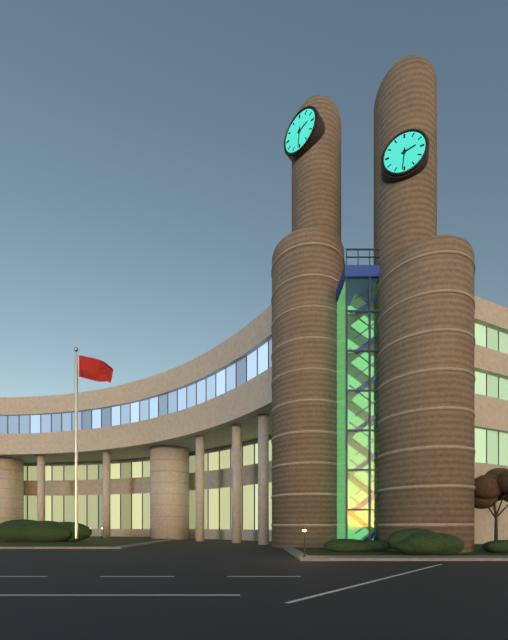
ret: 2:31
